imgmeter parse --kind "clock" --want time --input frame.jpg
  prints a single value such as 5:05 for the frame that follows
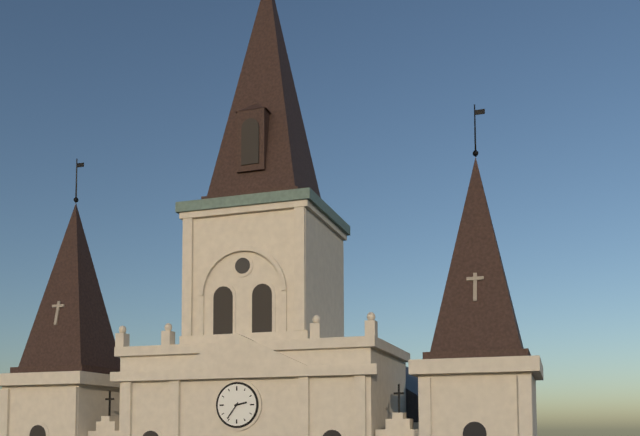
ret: 2:36
